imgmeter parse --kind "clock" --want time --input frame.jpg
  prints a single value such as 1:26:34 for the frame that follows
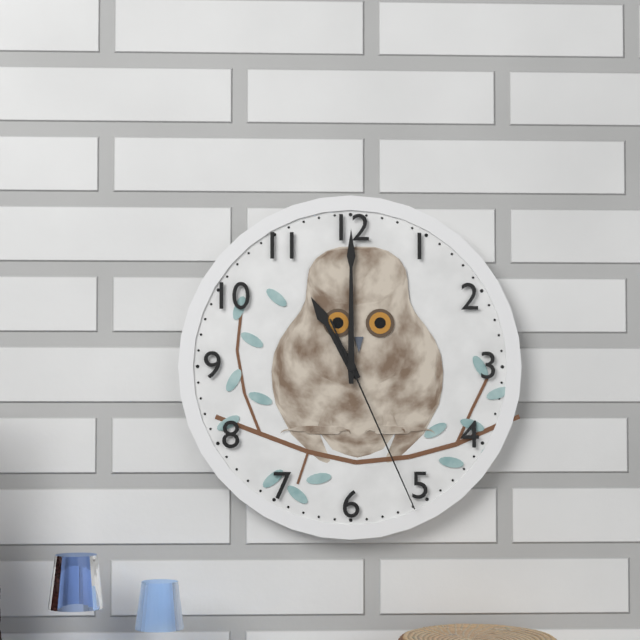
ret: 11:00:26
